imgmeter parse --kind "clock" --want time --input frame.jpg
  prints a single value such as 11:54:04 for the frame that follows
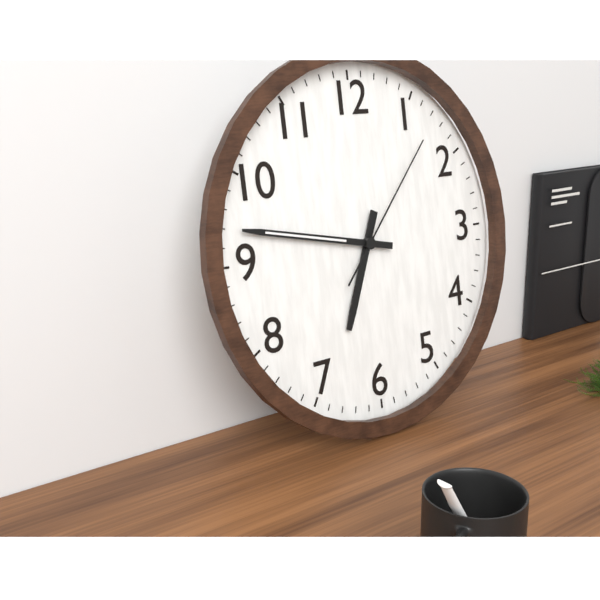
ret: 6:47:07
